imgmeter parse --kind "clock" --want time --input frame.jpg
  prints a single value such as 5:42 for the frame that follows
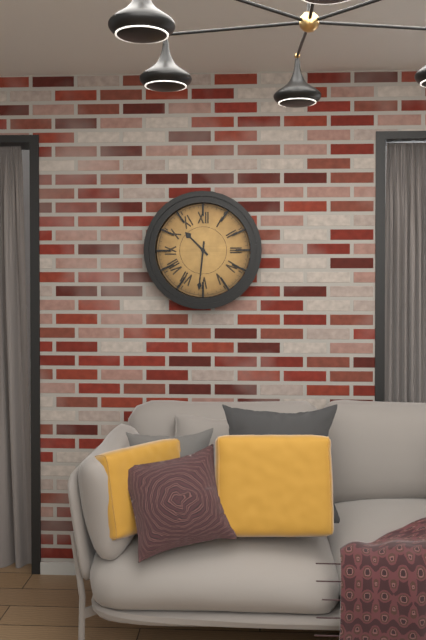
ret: 10:31
